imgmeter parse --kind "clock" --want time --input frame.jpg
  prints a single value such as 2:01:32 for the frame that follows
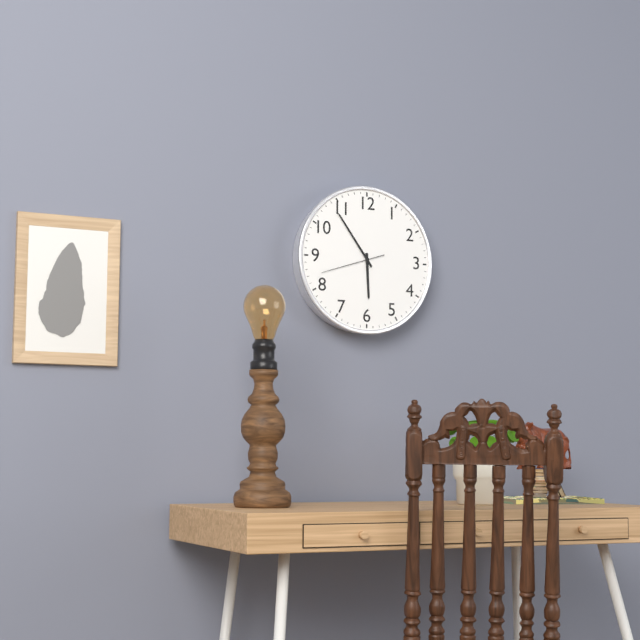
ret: 5:54:42
